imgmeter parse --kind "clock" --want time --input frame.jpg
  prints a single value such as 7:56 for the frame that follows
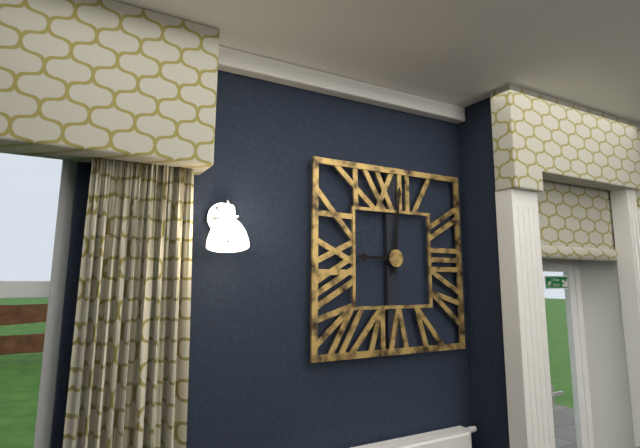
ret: 9:01
